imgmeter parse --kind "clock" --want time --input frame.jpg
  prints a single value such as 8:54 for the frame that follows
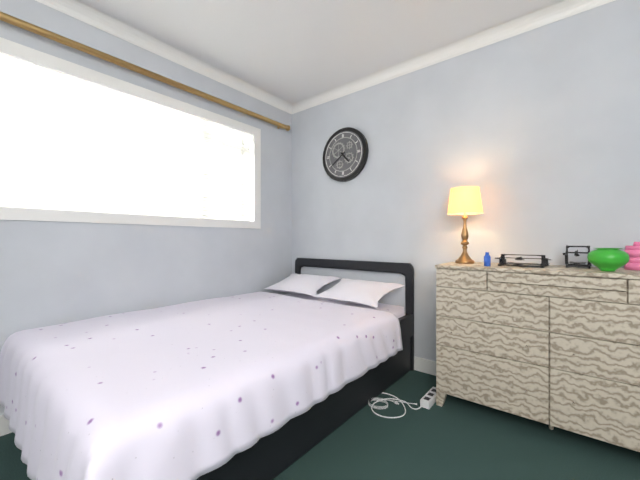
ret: 4:39
